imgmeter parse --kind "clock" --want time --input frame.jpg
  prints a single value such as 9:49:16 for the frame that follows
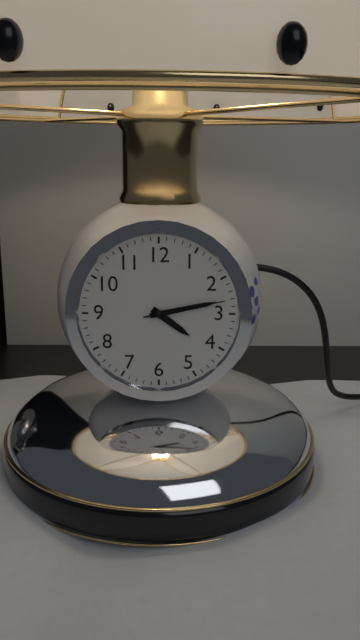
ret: 4:13:13
